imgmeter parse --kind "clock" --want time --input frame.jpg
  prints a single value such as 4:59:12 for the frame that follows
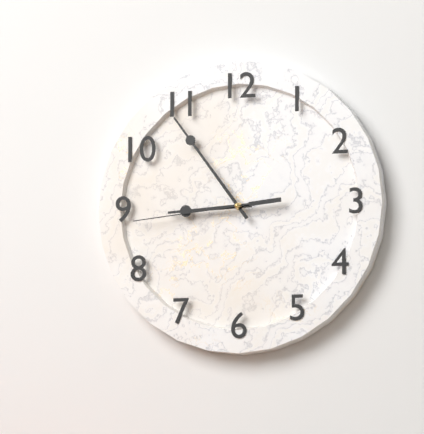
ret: 8:54:44
